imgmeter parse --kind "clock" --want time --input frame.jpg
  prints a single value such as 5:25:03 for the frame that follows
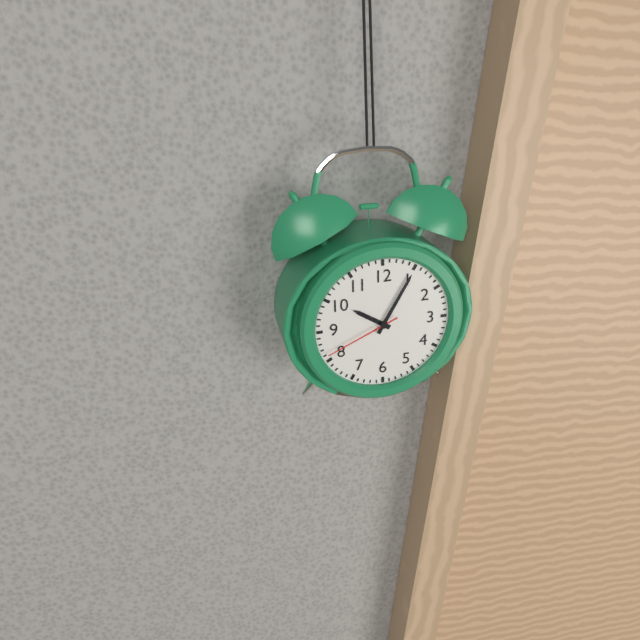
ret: 10:05:41
